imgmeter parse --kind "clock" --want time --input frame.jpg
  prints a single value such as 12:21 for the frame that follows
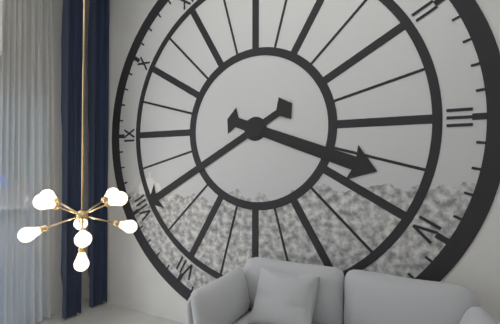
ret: 3:40
